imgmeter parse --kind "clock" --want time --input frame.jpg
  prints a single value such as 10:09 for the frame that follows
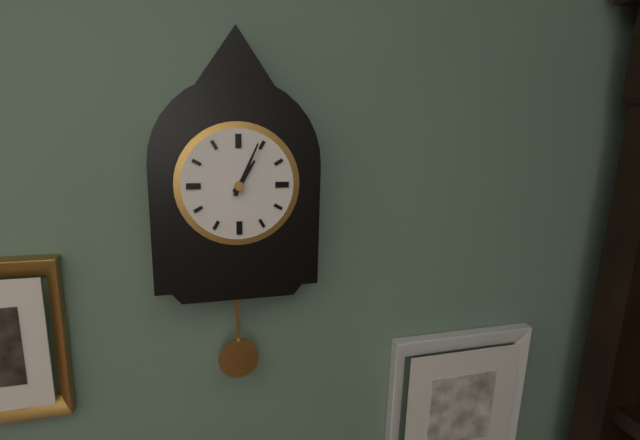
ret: 1:04
